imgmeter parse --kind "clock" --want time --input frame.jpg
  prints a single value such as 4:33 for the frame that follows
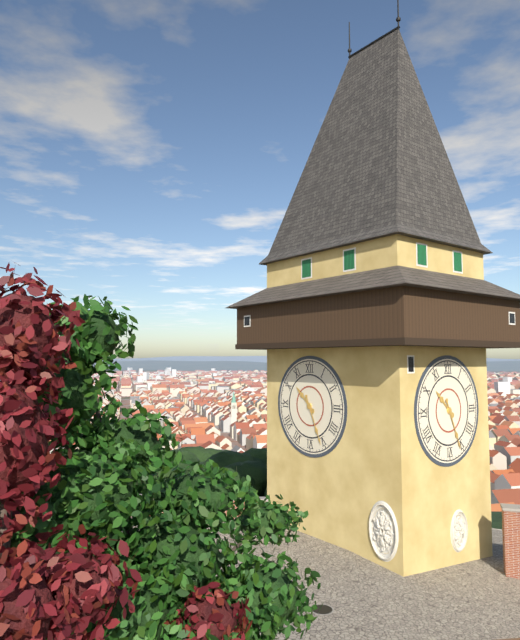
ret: 10:26
